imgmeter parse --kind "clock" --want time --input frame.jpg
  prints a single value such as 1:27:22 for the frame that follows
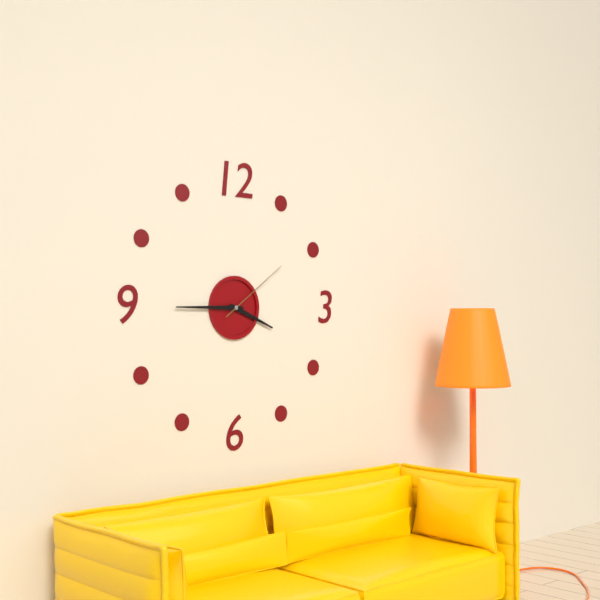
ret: 3:45:09
